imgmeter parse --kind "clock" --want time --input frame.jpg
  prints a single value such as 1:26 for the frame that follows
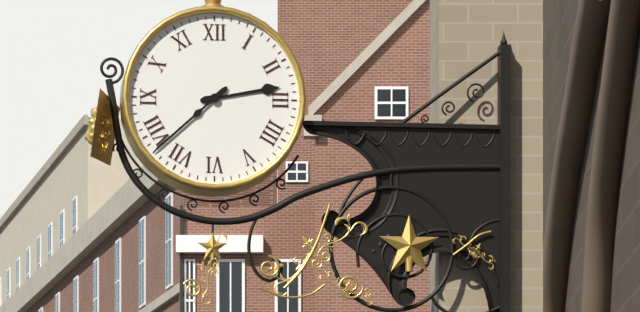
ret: 2:38
